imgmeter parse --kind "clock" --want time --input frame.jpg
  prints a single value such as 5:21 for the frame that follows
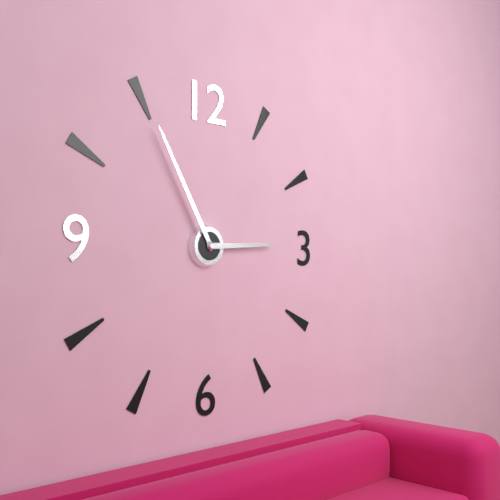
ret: 2:55
